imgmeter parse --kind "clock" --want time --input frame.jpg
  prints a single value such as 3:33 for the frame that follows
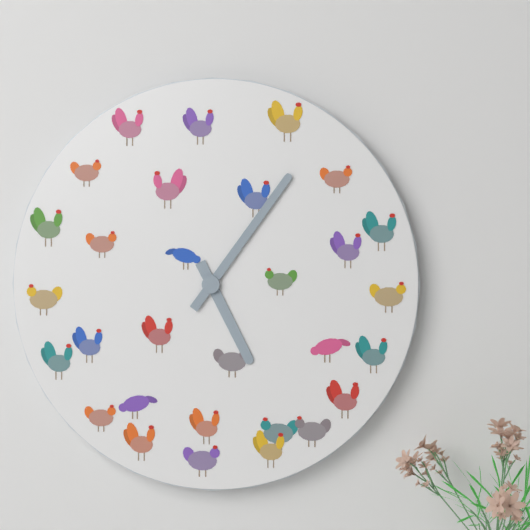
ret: 5:06
